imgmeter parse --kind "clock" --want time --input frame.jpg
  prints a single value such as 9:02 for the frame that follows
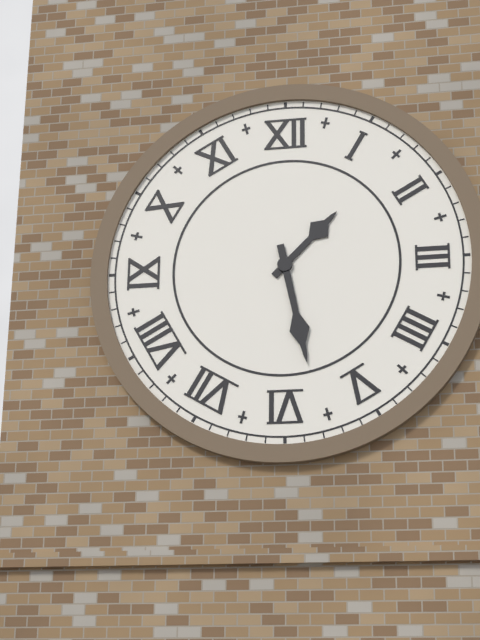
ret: 1:28
